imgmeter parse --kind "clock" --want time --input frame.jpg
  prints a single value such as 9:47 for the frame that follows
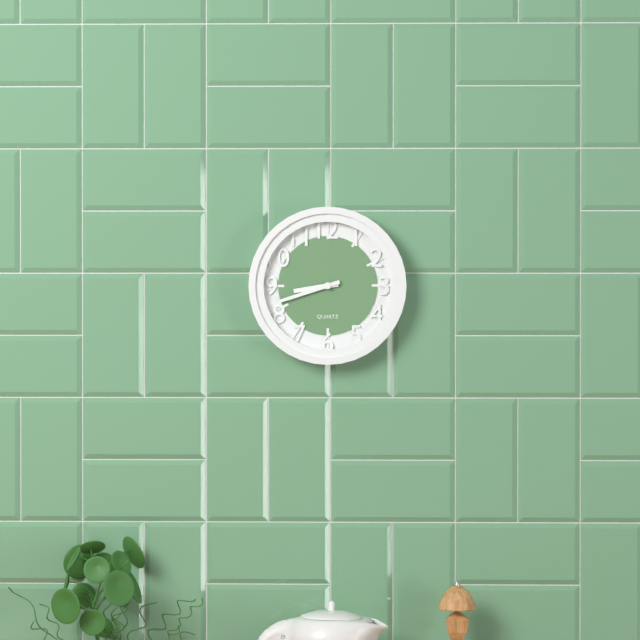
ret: 8:42
